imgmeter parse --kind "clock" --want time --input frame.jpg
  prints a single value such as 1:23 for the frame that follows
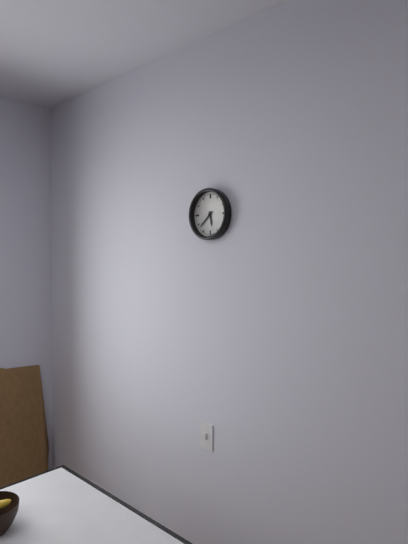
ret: 5:38
